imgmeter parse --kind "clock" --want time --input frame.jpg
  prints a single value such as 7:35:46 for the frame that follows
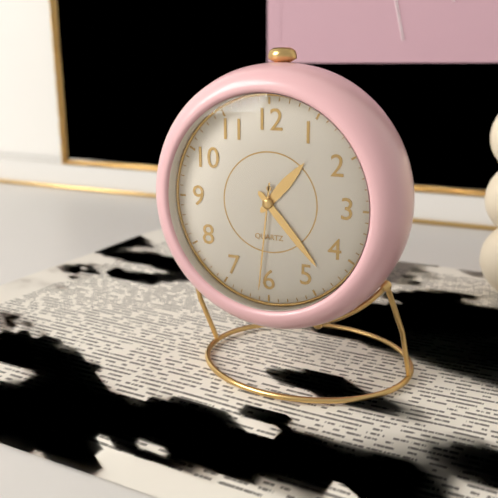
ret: 1:23:31
